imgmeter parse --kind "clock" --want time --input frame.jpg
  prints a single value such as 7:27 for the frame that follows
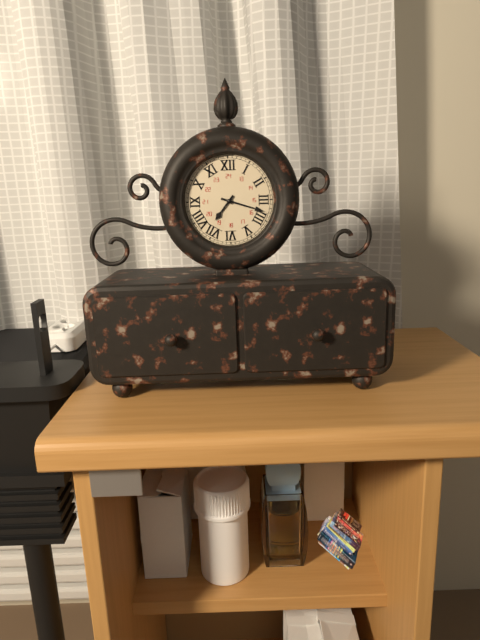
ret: 7:18
